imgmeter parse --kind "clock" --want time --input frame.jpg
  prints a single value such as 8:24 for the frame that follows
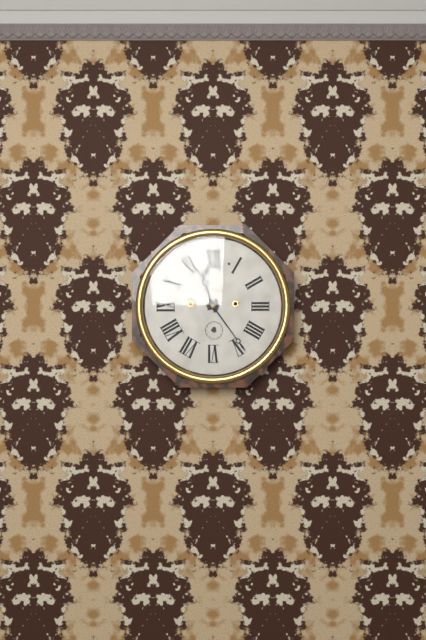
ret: 11:24
